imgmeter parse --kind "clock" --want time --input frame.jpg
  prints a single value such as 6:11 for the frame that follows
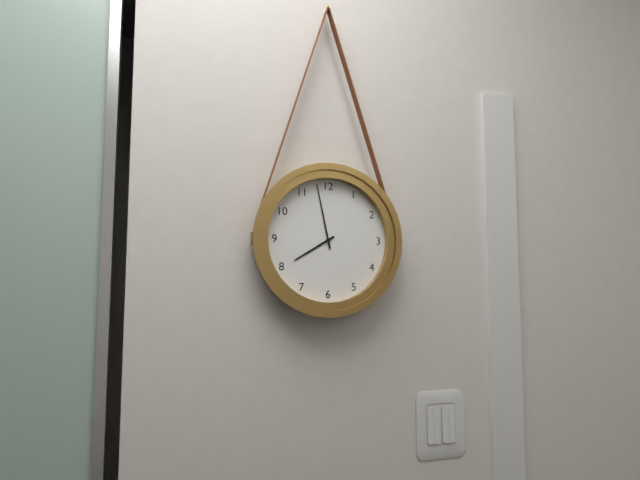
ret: 7:58
